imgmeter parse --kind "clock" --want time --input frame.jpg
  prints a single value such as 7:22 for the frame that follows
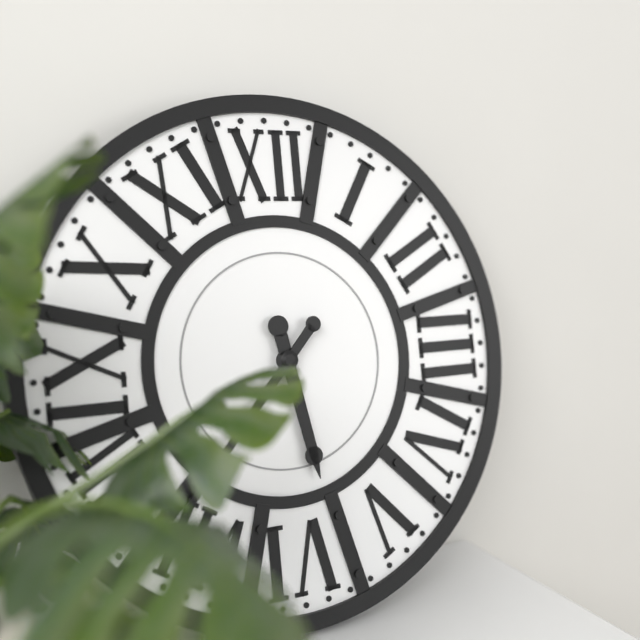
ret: 5:37
